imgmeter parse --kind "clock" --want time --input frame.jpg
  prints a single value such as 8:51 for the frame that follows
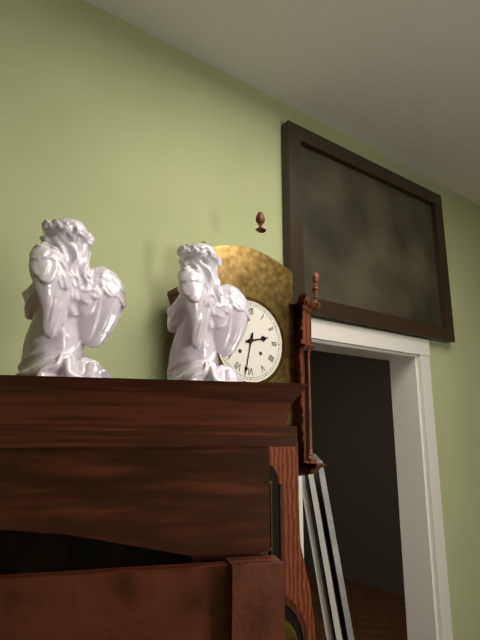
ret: 2:32
